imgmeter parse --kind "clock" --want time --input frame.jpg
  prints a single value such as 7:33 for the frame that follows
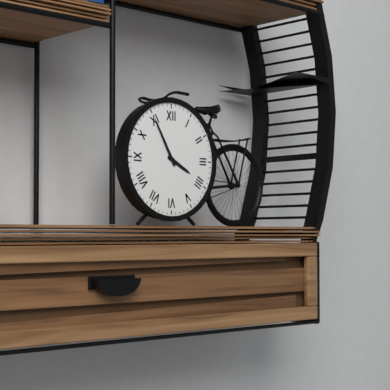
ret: 3:55
